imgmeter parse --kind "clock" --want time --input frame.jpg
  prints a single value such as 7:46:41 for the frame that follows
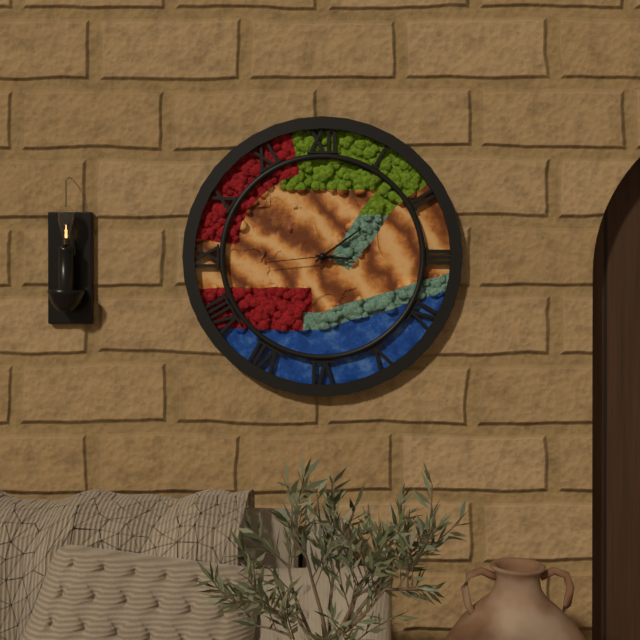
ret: 3:09:44
